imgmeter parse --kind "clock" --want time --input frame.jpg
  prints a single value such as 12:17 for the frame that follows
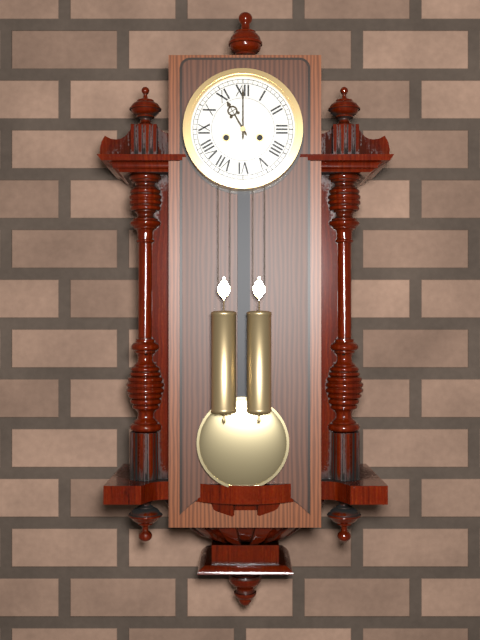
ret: 11:00
